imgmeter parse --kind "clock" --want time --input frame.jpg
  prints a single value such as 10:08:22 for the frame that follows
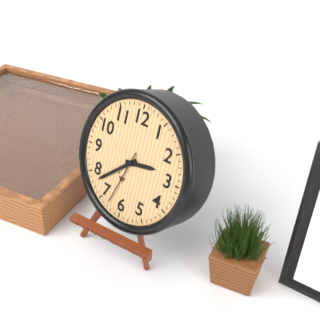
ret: 2:38:33
